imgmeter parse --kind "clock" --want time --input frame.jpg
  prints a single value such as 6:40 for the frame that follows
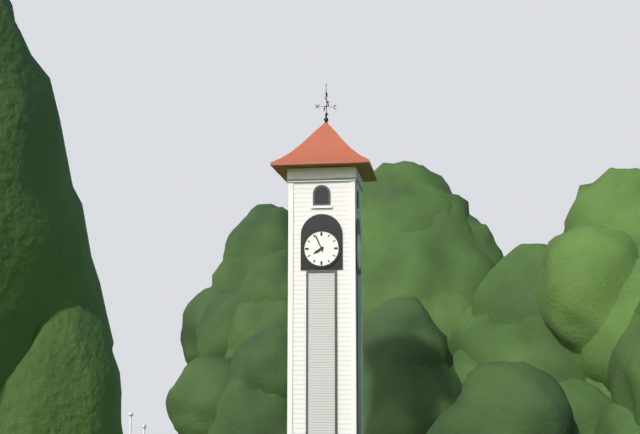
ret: 7:56
